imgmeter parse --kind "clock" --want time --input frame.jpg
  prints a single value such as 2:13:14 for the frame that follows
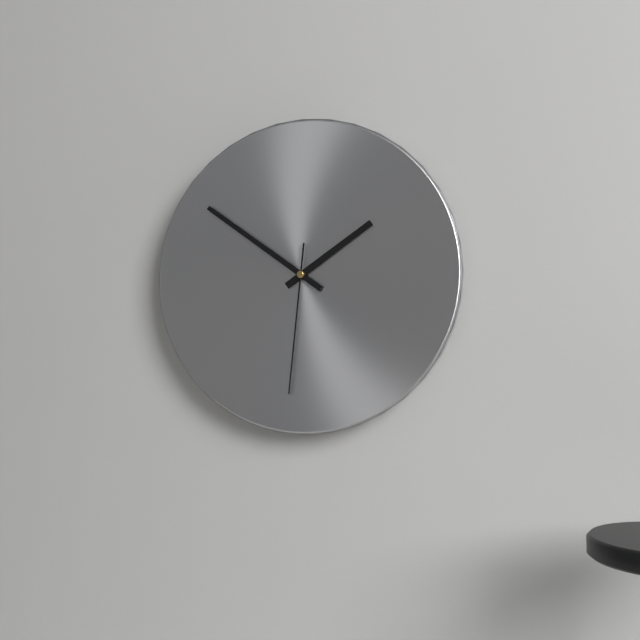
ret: 1:51:31
